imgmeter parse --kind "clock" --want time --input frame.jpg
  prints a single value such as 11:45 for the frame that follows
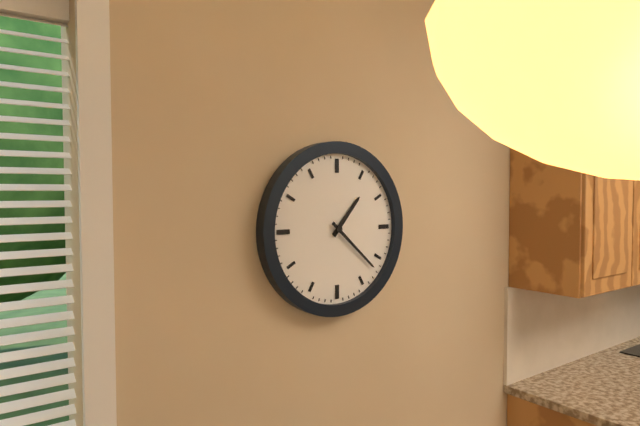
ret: 1:22
